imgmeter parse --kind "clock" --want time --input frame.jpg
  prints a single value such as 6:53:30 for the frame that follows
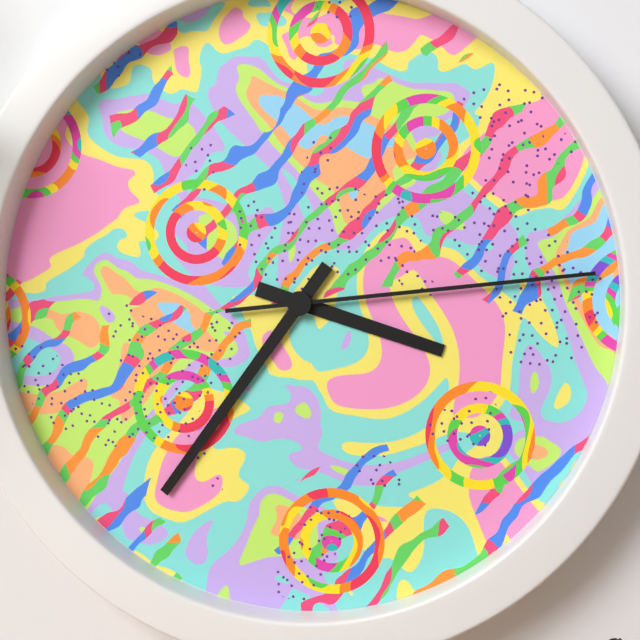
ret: 3:36:14
